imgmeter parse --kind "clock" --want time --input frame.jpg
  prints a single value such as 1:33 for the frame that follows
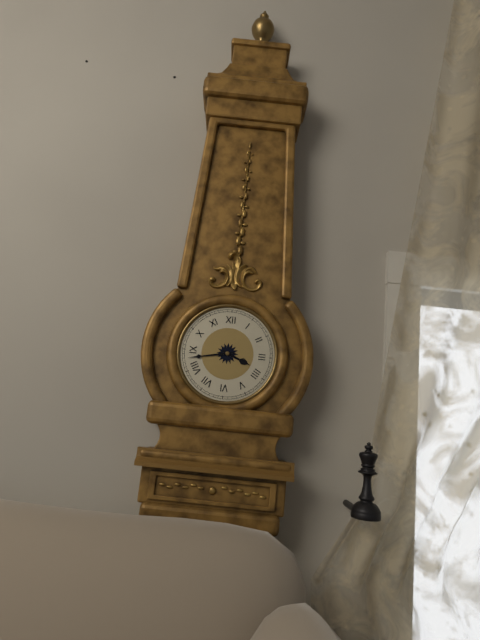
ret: 3:43
